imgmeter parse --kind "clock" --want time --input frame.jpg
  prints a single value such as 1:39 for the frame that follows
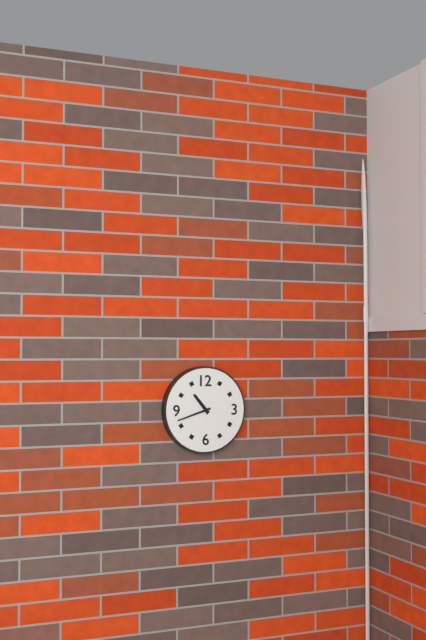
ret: 10:42
